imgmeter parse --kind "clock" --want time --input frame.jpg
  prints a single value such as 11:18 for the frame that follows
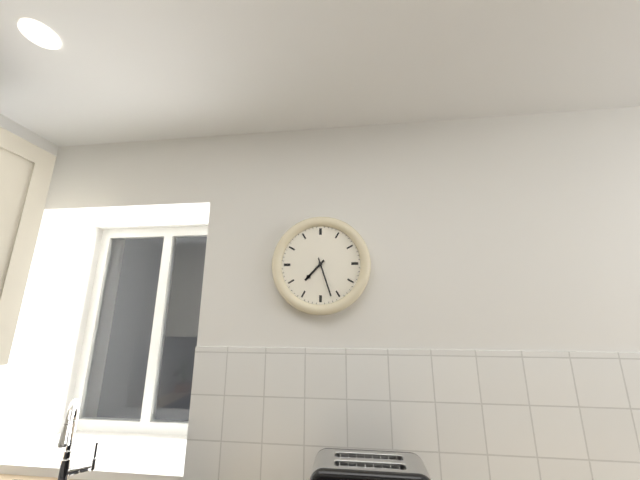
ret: 7:27
